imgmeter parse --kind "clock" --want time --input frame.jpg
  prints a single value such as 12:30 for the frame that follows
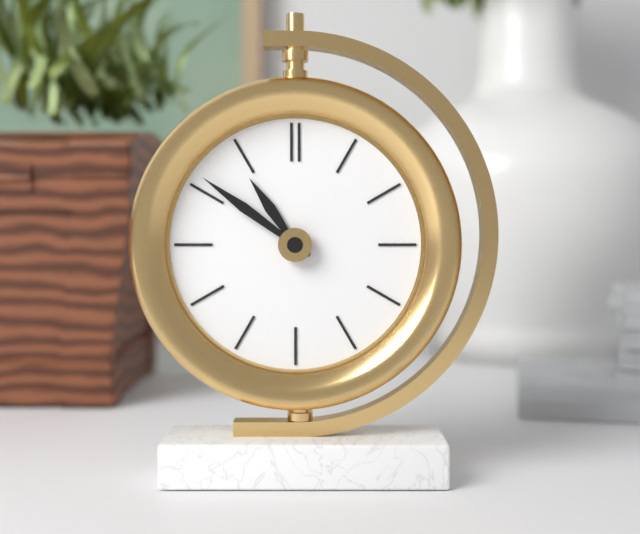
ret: 10:51
